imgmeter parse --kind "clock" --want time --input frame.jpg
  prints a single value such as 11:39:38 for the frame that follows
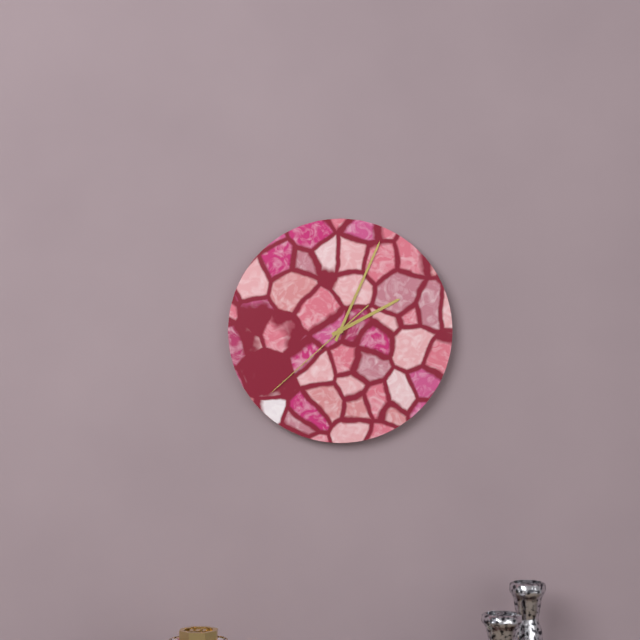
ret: 2:04:38
